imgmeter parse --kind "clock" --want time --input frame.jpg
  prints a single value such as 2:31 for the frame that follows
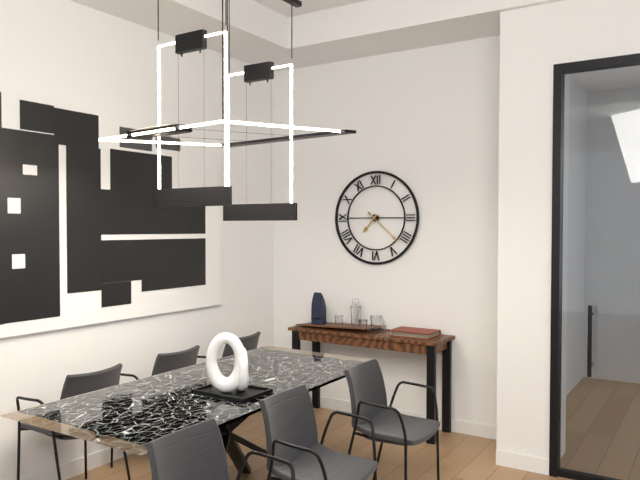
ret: 7:22
